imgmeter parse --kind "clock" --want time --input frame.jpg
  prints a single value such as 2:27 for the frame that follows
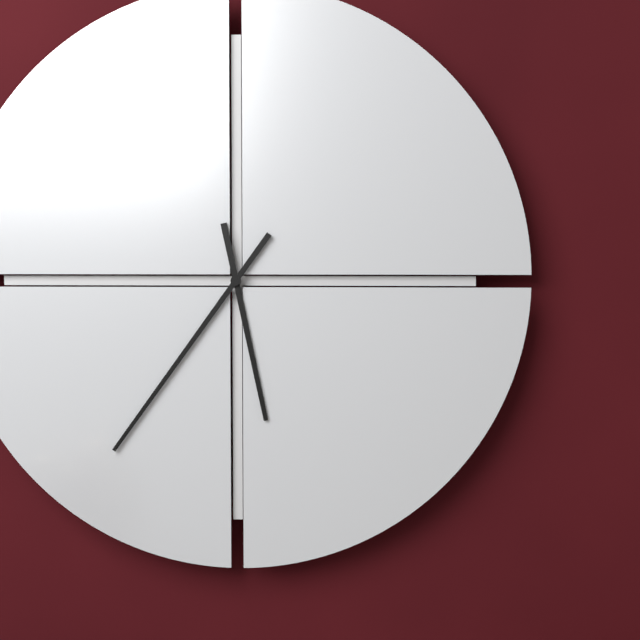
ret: 5:36
